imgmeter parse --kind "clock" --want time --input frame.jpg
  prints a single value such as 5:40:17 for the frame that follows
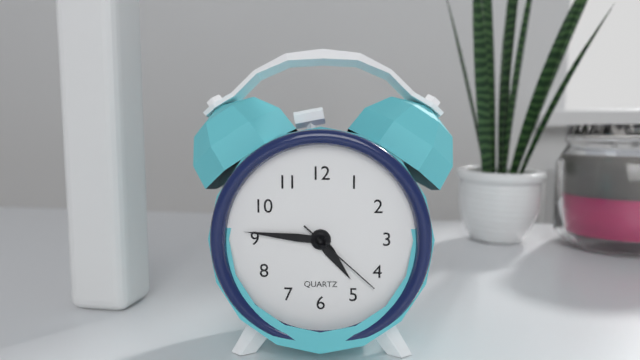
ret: 4:46:22
